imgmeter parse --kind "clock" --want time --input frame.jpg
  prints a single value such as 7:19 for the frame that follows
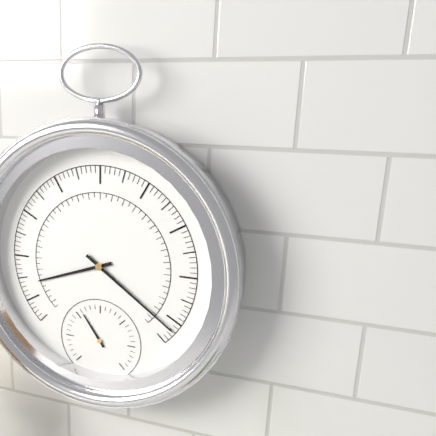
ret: 8:21
